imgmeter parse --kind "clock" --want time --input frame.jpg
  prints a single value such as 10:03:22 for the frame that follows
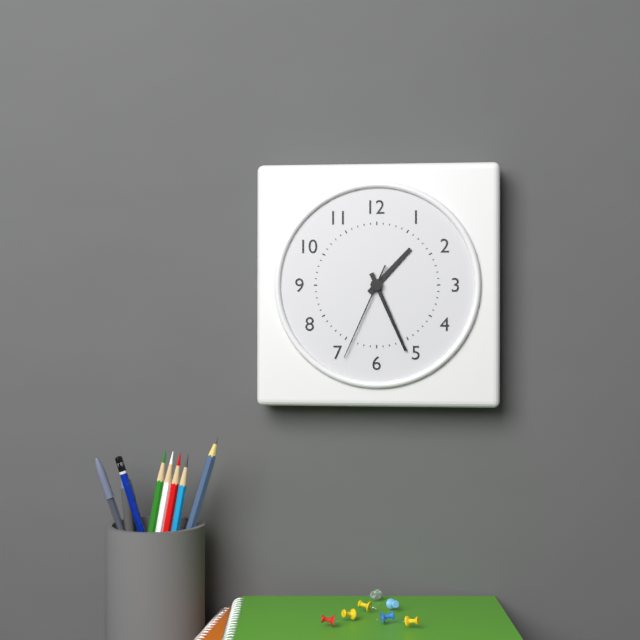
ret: 1:26:34
